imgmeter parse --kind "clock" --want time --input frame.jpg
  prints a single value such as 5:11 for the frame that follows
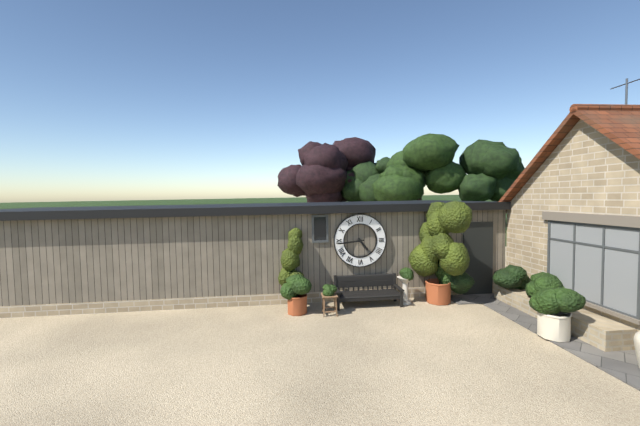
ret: 4:44
